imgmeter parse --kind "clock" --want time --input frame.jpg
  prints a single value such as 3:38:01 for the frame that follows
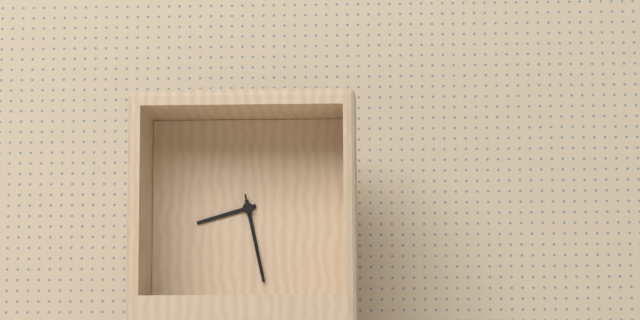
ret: 8:28:28
